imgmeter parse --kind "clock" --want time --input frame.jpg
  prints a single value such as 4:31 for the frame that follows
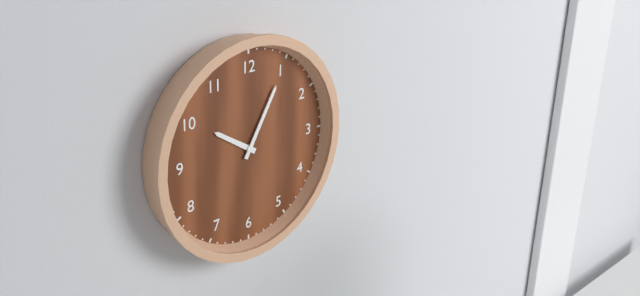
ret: 10:05
